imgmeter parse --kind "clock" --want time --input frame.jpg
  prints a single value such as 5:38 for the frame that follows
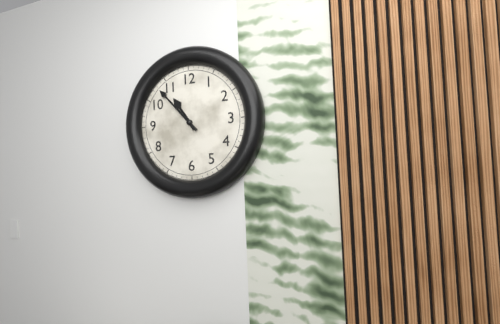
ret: 10:53
